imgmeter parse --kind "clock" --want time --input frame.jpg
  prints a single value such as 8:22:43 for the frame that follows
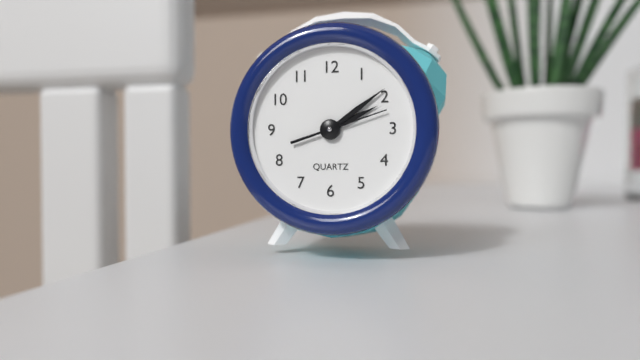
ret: 2:09:12
